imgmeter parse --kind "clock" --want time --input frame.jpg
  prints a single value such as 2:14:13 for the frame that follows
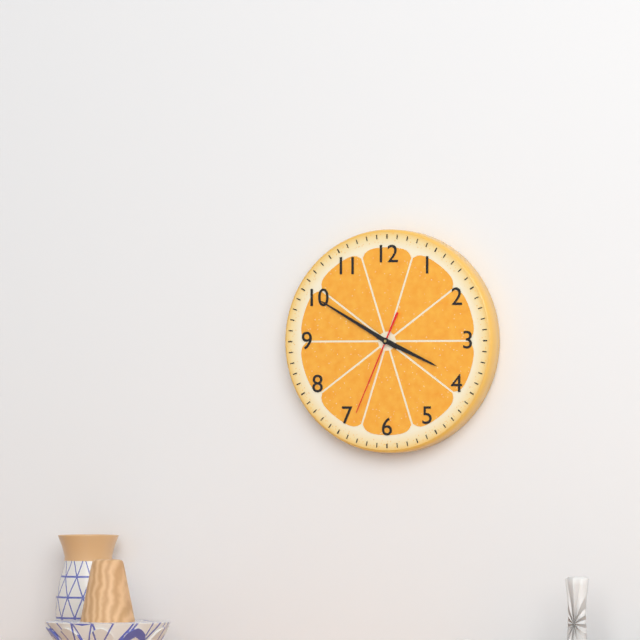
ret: 3:50:34
